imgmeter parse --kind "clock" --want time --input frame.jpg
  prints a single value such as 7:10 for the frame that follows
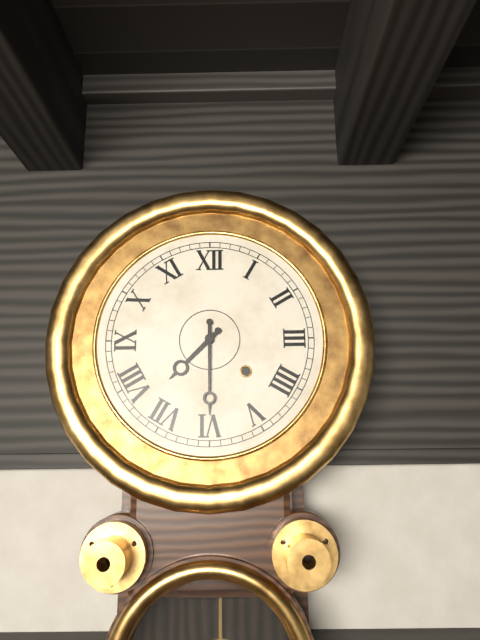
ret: 7:30
